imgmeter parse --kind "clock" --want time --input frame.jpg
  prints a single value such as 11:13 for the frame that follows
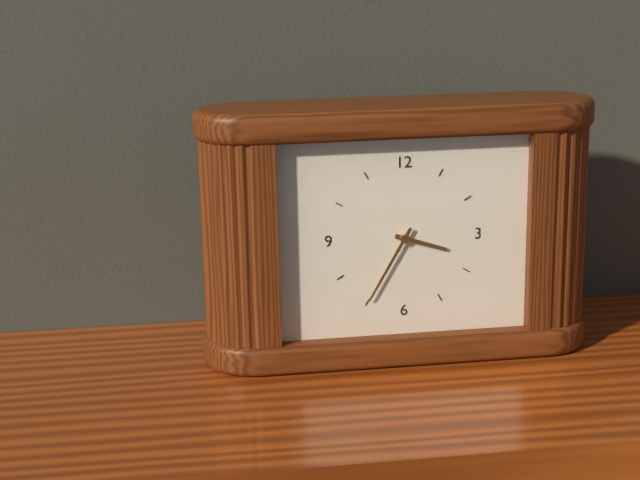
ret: 3:35
